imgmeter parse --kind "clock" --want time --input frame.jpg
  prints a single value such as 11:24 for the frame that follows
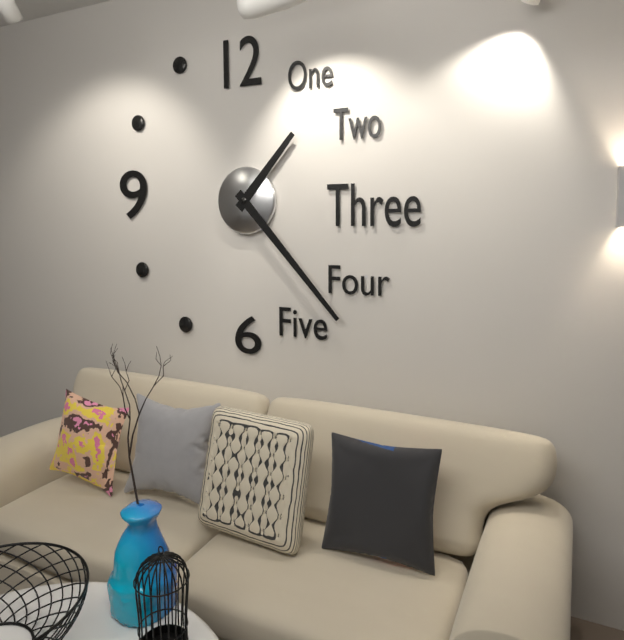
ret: 1:23
